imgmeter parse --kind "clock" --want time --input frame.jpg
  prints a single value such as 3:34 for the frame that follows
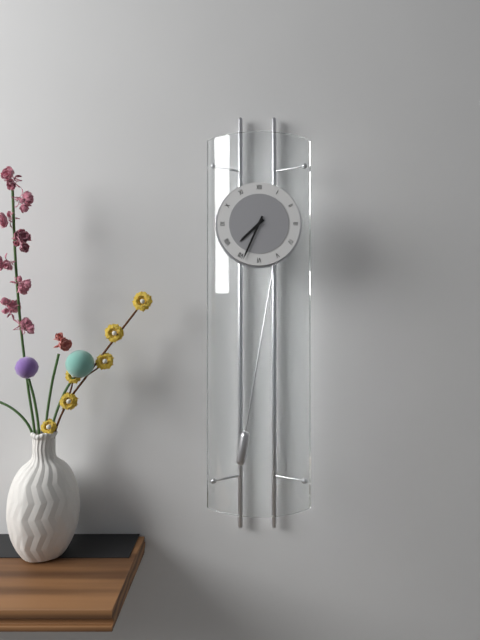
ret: 7:34
